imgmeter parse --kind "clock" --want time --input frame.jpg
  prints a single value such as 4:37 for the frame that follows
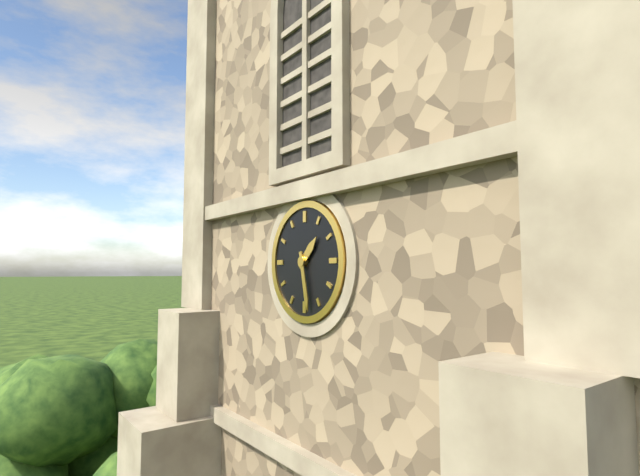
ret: 1:28
